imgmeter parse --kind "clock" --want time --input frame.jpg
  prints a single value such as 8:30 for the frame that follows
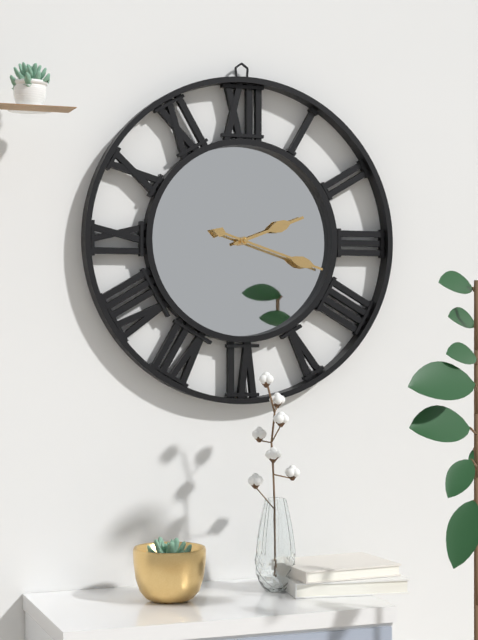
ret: 2:18
